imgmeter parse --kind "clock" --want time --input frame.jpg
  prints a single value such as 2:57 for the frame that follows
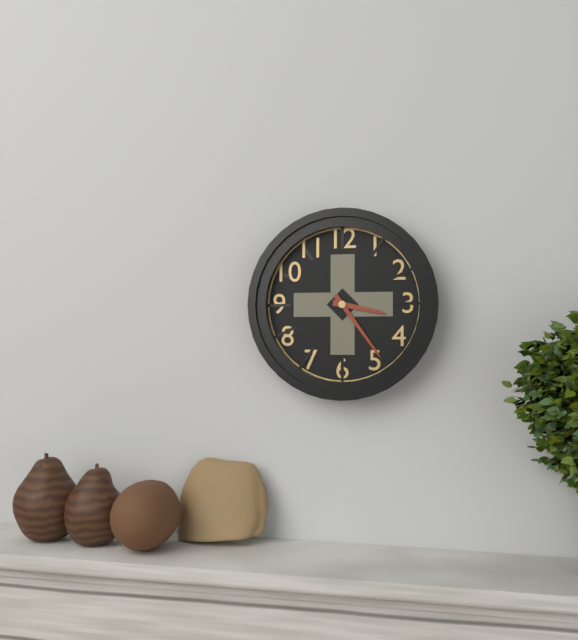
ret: 3:24
